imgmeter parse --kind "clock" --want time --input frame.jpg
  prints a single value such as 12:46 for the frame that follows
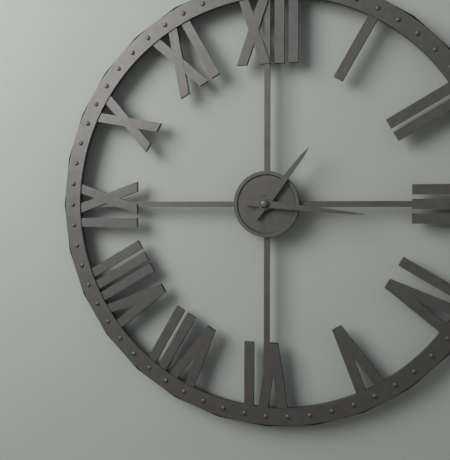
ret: 1:16
